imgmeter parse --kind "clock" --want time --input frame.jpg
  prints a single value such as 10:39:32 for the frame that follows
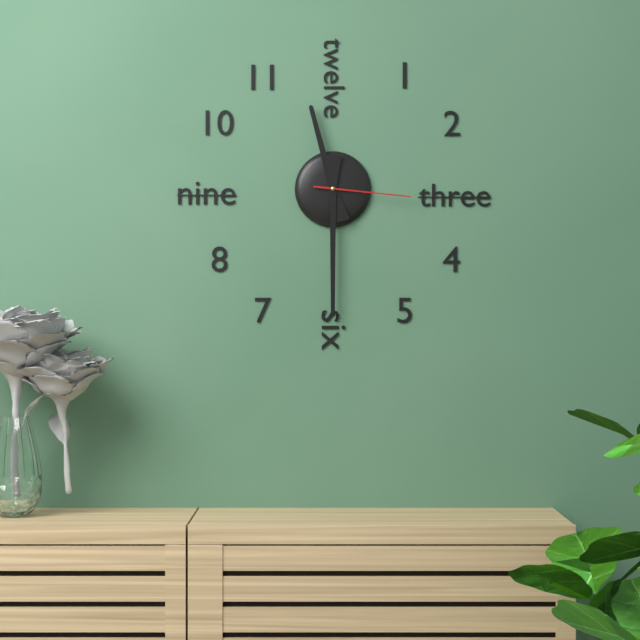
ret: 11:30:16
